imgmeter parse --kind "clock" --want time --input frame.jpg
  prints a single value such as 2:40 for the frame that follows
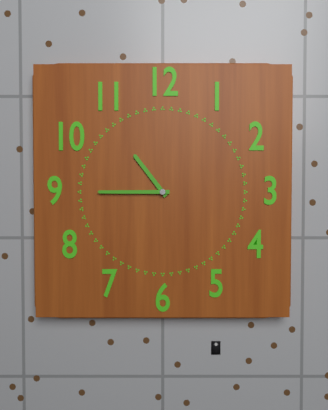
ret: 10:45
